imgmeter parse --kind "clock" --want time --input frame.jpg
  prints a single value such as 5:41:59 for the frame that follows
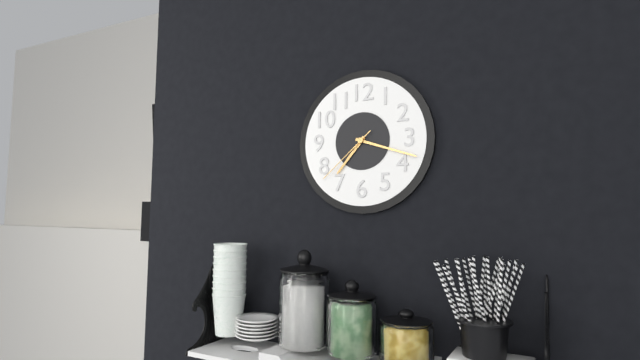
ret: 7:18:38
